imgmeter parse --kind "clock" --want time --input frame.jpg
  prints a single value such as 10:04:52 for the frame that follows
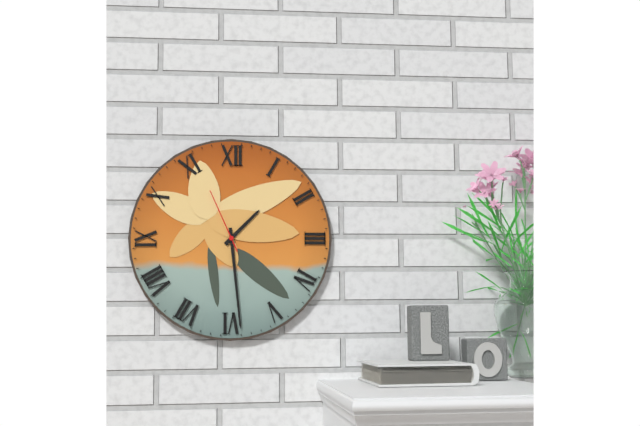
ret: 1:29:56
